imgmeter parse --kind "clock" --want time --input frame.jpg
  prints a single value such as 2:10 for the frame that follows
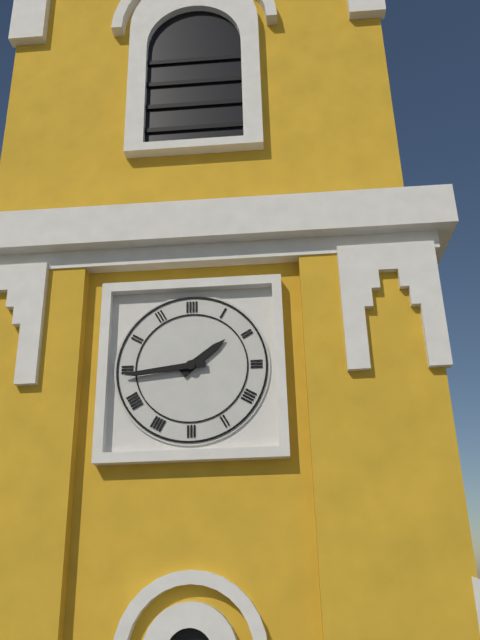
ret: 1:44
